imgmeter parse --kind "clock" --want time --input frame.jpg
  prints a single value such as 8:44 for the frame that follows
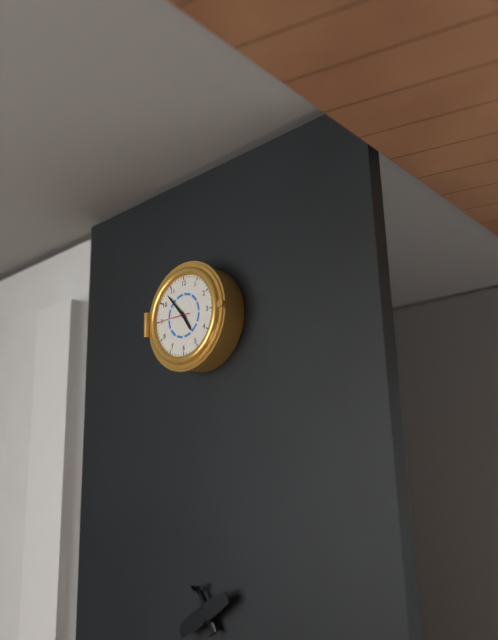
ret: 4:53
